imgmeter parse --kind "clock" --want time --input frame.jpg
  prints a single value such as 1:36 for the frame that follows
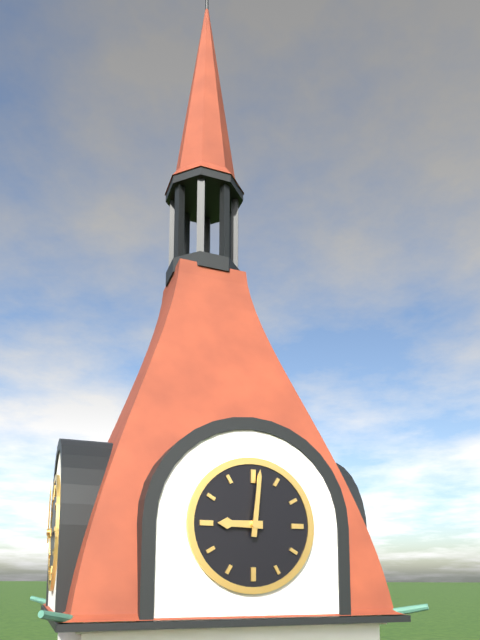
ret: 9:01
